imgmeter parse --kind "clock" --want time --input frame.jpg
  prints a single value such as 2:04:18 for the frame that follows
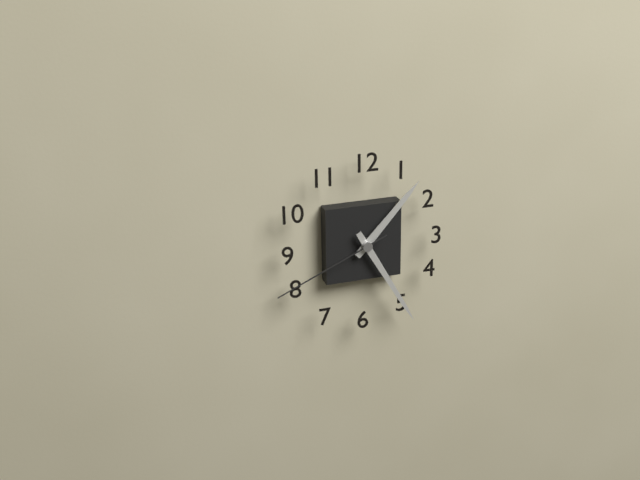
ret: 1:25:41
